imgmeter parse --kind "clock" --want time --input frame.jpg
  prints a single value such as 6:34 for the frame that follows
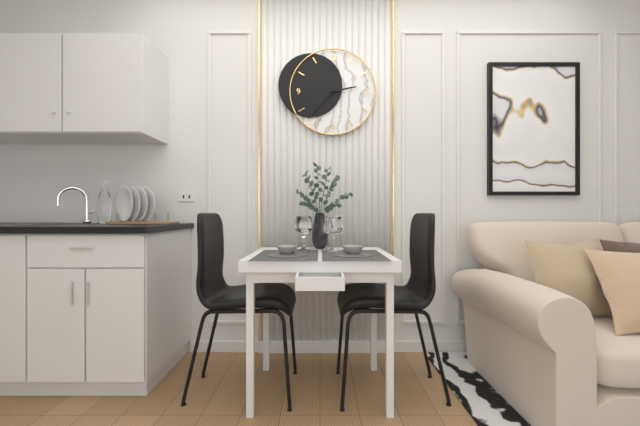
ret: 2:37
